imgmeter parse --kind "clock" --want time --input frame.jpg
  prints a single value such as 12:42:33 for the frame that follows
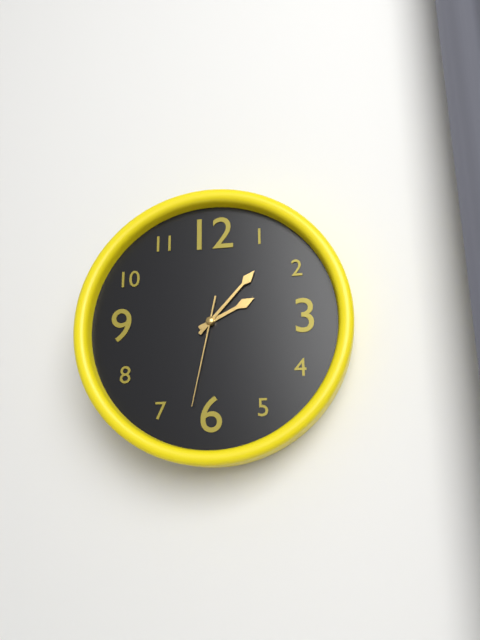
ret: 2:07:32
